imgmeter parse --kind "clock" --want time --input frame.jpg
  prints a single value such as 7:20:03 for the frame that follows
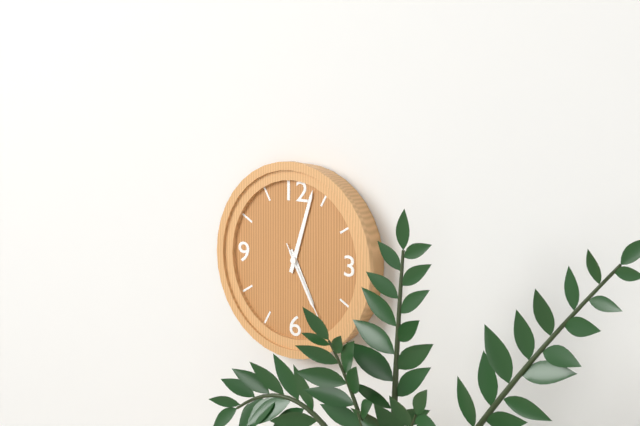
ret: 5:03:25
